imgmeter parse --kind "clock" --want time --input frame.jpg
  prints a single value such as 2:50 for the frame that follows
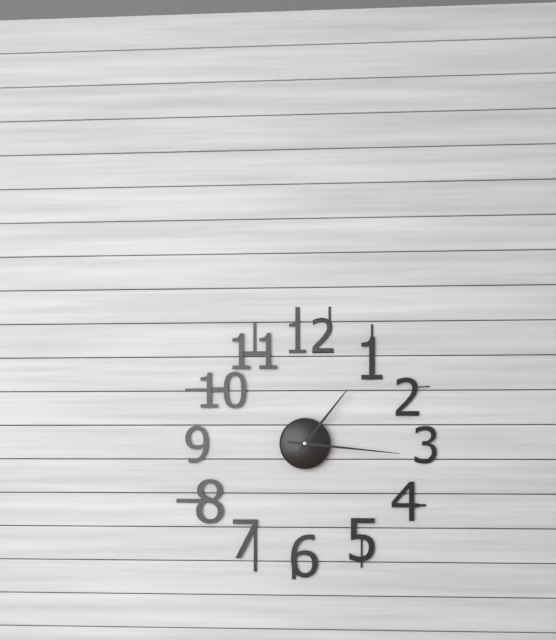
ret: 1:16
